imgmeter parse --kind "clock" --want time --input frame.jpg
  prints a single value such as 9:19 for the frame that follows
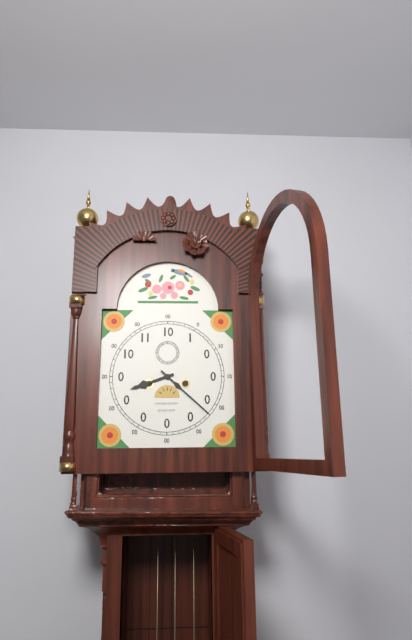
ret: 8:22
